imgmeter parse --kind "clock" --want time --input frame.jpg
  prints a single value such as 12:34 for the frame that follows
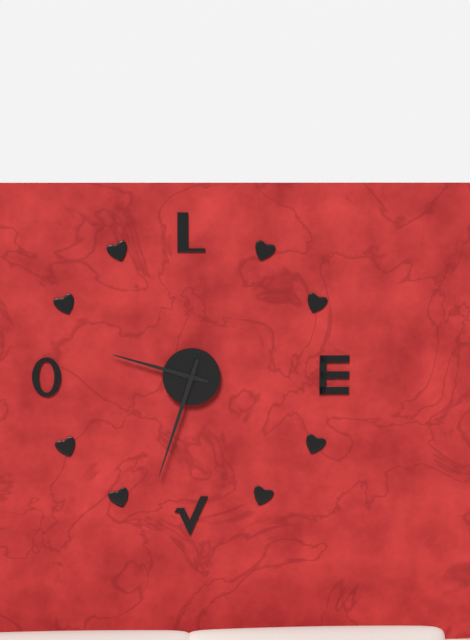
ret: 9:33
